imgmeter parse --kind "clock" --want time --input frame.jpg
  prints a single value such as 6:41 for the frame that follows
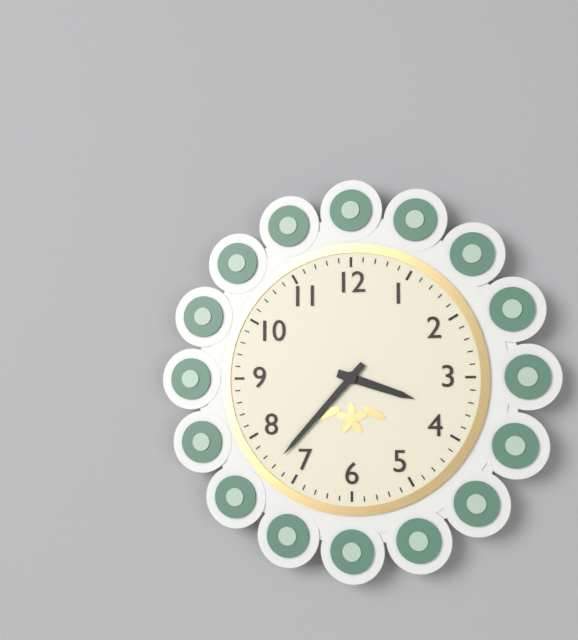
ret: 3:37
